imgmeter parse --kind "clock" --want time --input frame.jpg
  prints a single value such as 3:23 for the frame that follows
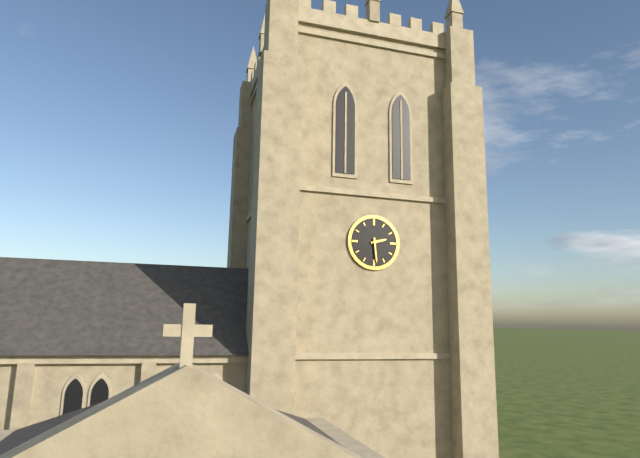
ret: 2:29
